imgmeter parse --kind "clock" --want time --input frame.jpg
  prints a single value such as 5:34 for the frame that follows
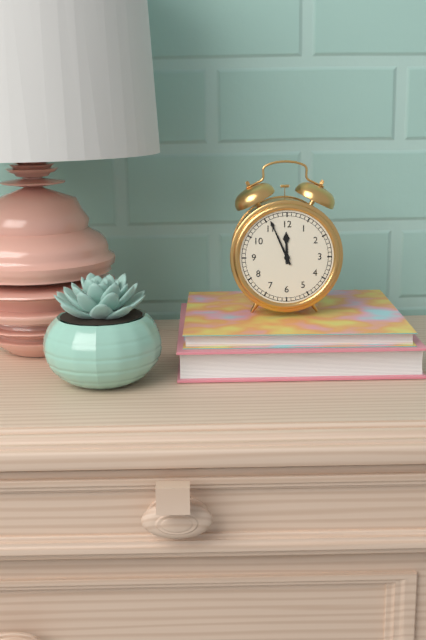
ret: 11:56
